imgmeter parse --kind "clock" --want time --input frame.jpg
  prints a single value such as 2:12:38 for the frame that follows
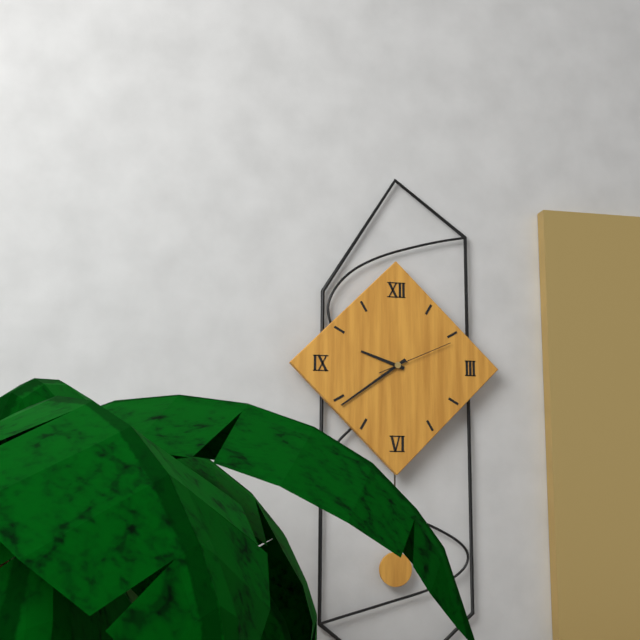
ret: 9:39:11
